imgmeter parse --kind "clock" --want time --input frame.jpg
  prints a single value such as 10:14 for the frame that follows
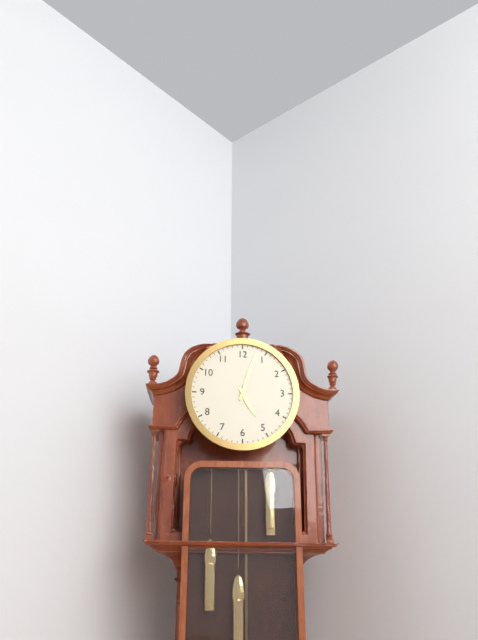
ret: 5:03
